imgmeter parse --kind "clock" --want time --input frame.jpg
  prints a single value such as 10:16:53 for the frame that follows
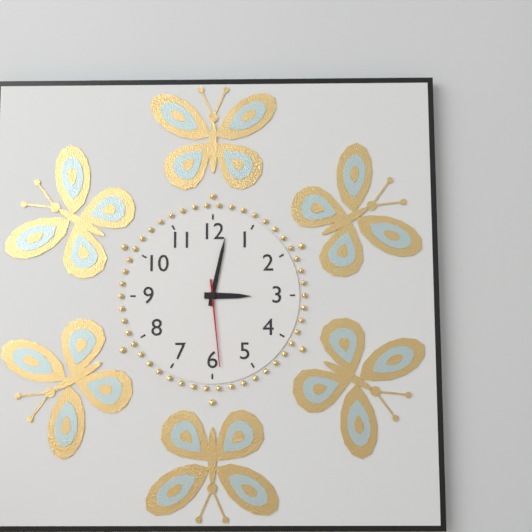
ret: 3:02:29
